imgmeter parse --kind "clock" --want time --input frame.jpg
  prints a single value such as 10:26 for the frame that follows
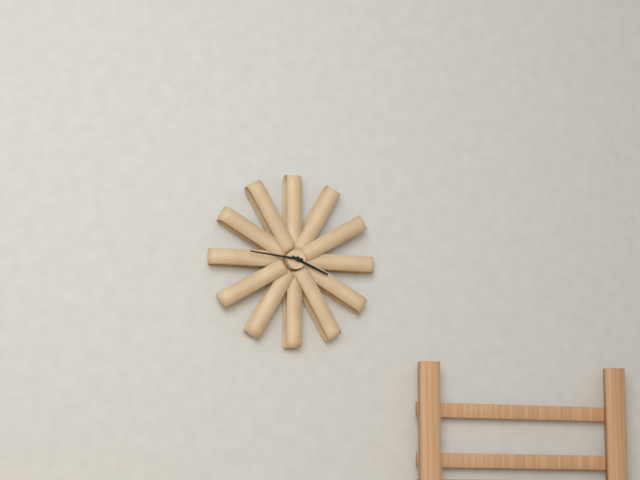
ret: 3:46
